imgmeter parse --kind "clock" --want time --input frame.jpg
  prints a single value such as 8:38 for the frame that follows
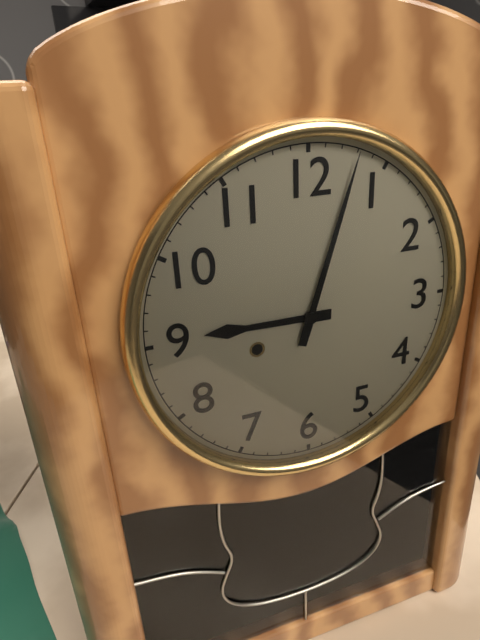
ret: 9:03
